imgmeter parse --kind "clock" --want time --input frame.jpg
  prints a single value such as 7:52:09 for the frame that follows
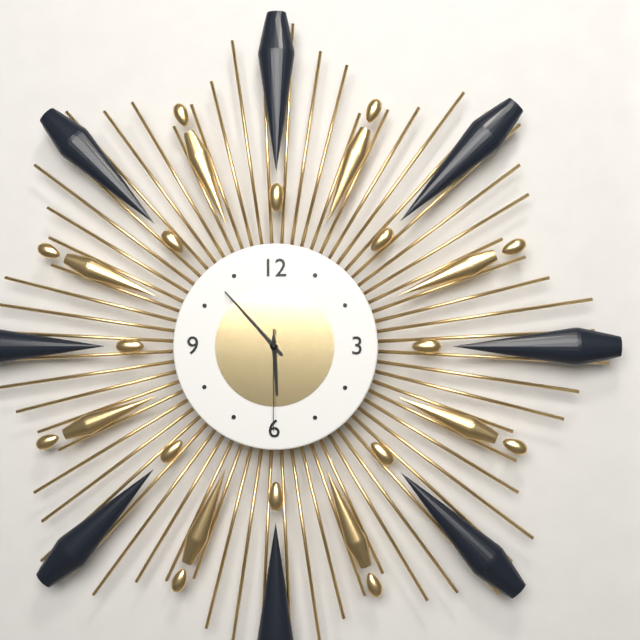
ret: 5:53:30
